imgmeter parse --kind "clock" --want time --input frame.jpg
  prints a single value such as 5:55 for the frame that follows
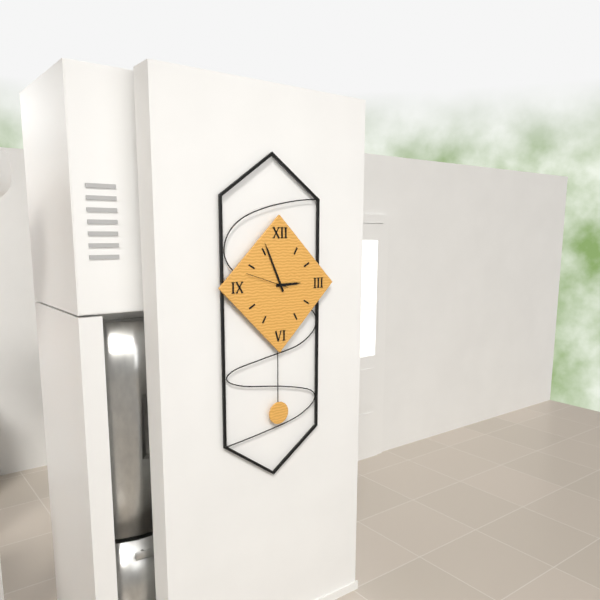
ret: 2:56
